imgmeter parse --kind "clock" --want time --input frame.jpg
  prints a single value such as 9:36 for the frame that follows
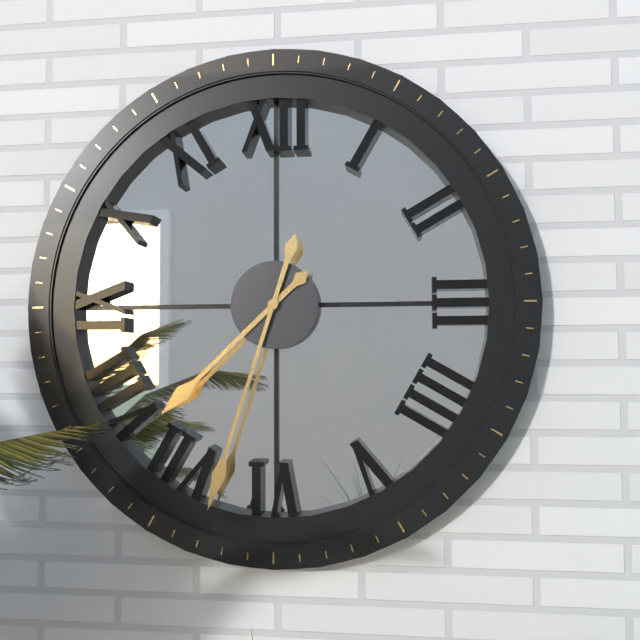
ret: 7:33
